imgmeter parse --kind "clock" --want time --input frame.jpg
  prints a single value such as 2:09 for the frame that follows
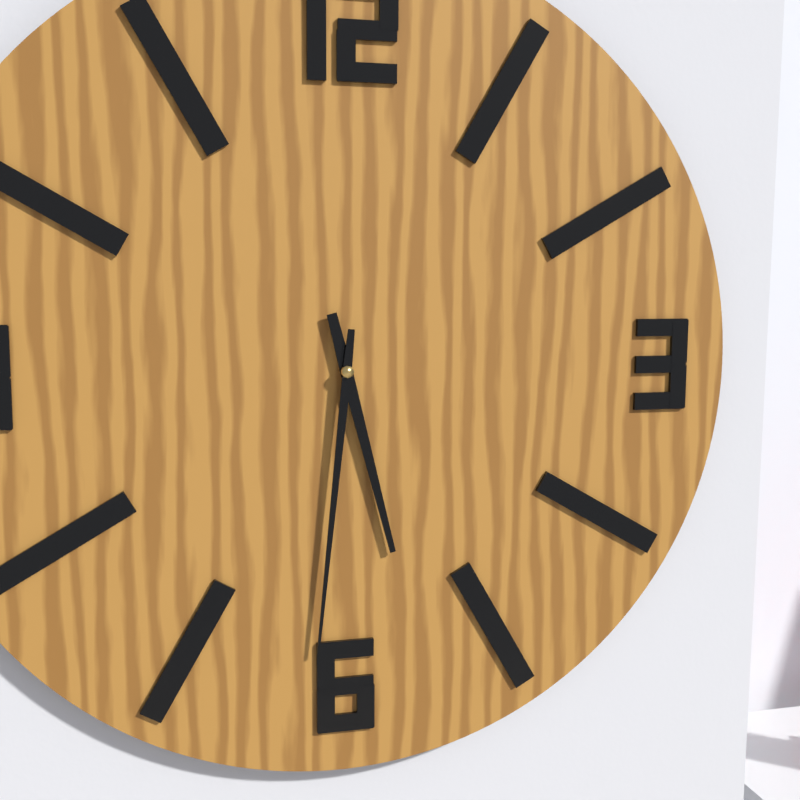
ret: 5:31
